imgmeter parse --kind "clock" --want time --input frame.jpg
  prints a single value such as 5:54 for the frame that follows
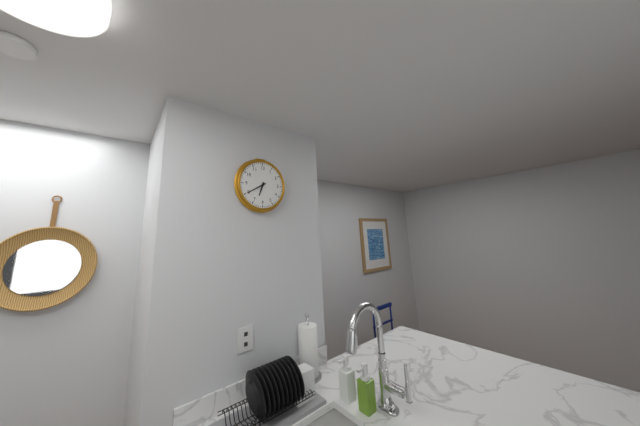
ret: 6:40
